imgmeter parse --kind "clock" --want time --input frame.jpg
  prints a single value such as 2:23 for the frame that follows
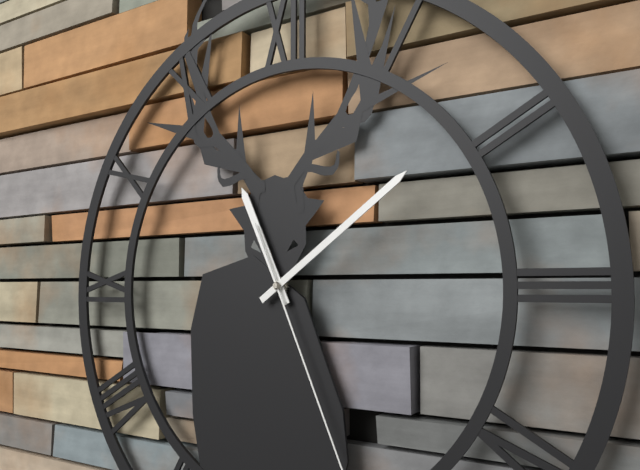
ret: 11:09
